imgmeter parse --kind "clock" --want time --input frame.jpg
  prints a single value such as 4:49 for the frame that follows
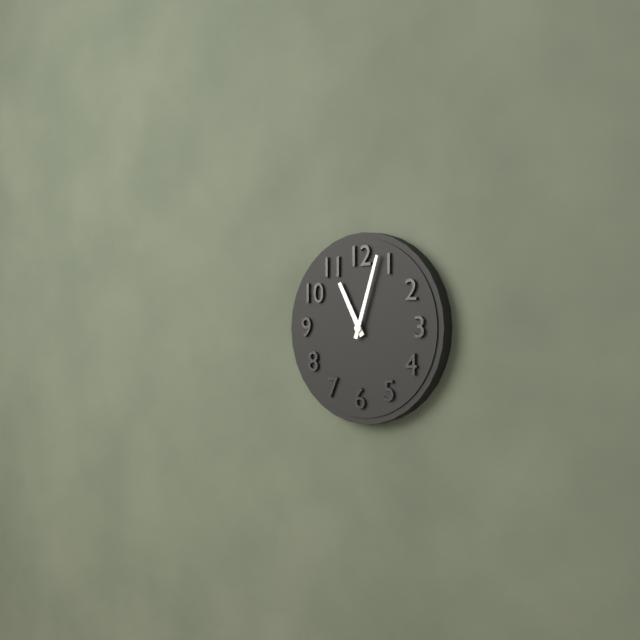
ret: 11:03
